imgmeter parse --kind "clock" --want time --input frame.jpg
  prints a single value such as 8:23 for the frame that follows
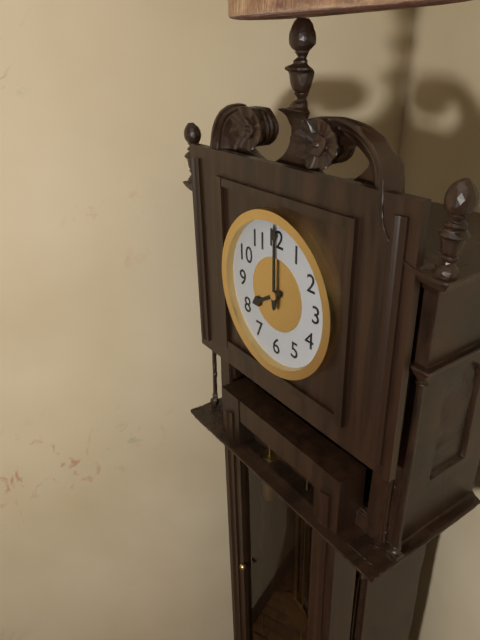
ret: 8:00
